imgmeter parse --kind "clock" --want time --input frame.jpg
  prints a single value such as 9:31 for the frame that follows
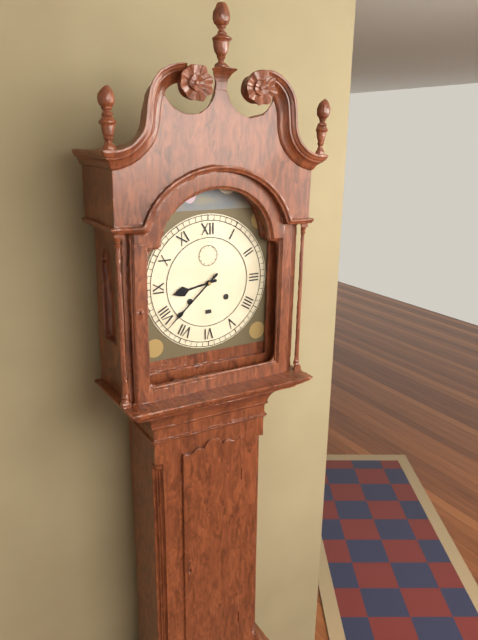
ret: 8:38
